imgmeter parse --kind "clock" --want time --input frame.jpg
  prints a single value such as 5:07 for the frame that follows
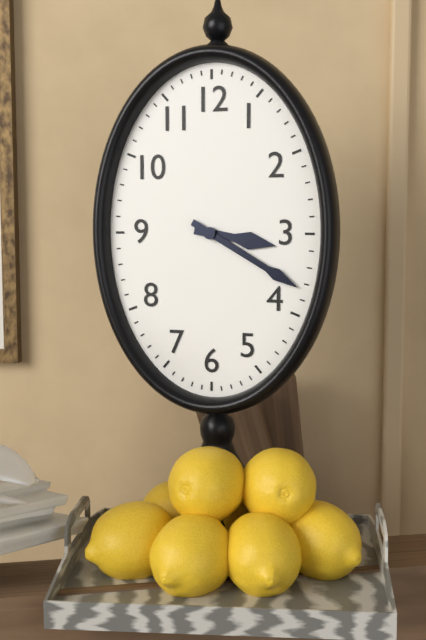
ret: 3:20
